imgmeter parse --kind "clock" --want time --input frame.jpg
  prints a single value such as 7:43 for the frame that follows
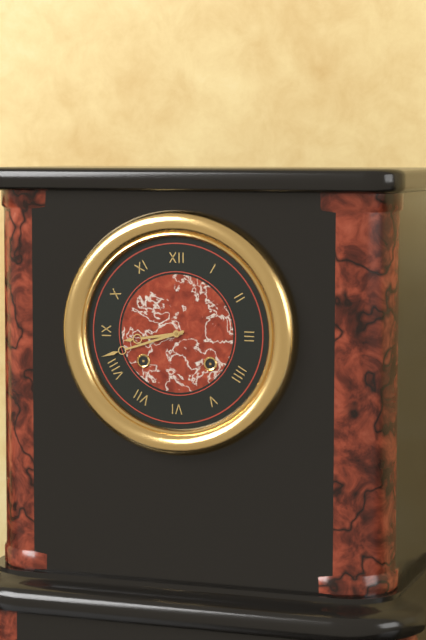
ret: 8:42
